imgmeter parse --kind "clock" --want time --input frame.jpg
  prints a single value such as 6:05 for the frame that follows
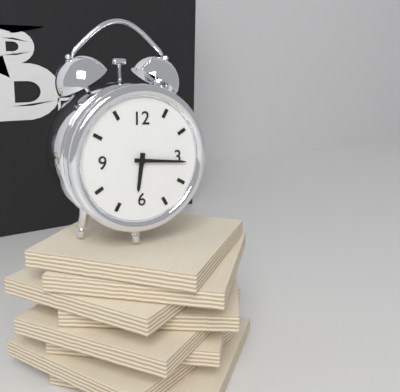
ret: 6:16
